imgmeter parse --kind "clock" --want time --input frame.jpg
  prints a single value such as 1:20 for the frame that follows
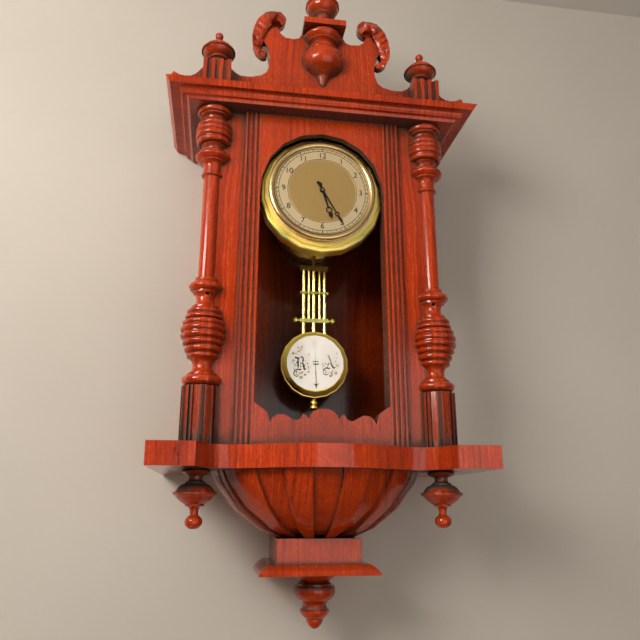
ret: 5:25
